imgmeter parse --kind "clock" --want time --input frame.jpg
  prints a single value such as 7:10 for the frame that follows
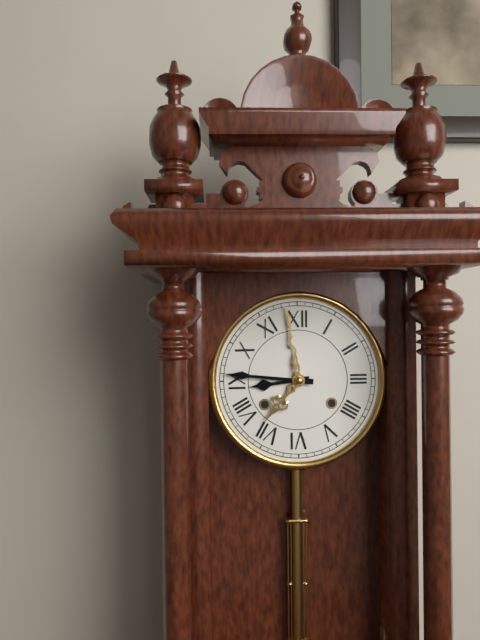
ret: 8:46
